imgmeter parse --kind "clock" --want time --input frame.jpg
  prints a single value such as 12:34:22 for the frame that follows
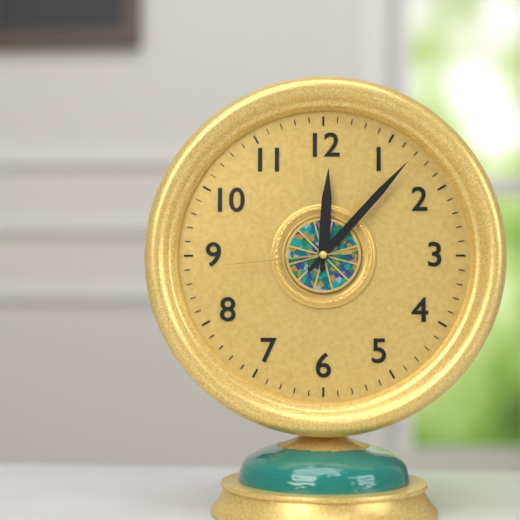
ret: 12:07:44
